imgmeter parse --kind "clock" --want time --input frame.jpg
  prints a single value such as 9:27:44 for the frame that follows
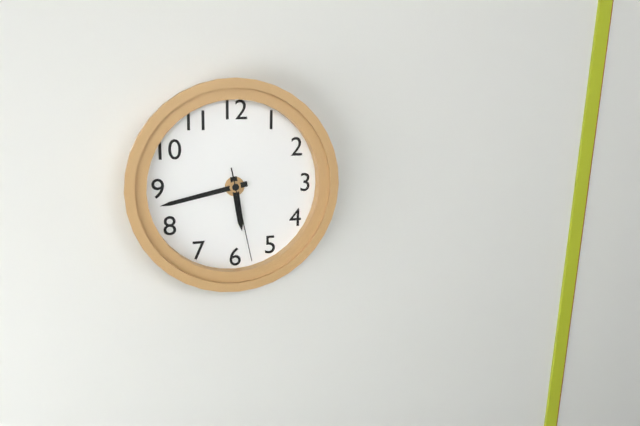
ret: 5:43:28
